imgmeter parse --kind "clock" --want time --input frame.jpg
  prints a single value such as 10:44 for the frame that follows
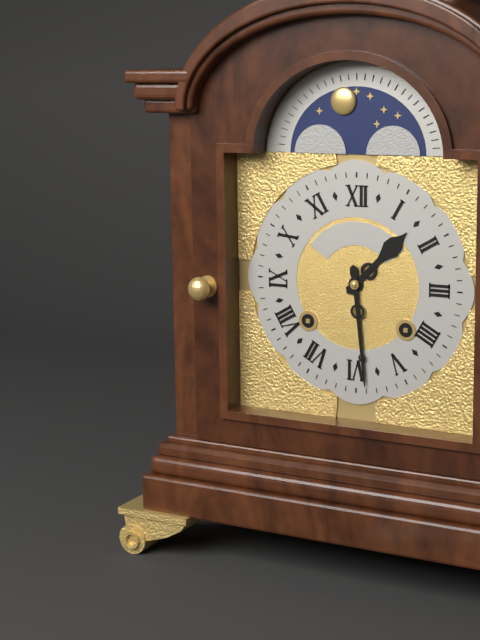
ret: 1:29
